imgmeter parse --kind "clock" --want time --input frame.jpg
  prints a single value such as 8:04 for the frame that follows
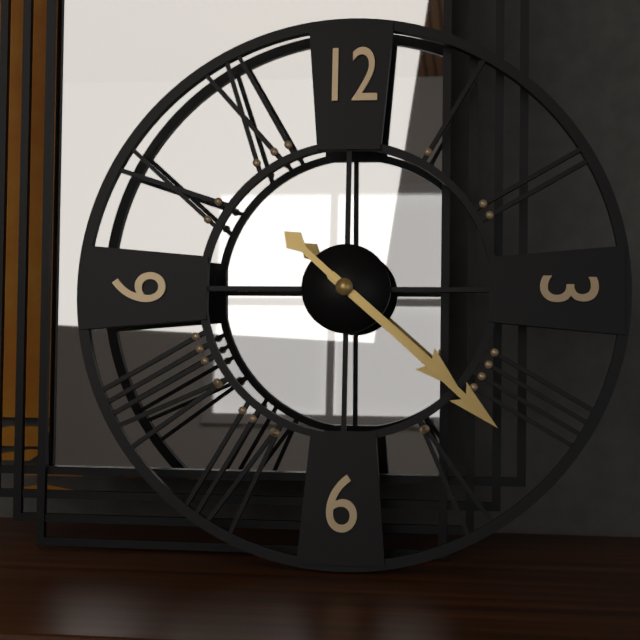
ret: 4:22
